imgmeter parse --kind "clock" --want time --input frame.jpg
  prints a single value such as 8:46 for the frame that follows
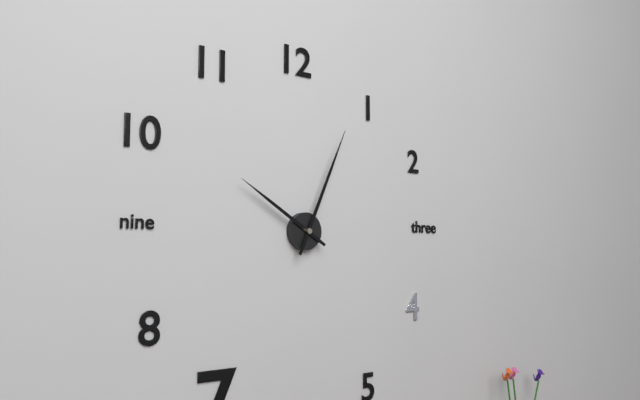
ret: 10:04
